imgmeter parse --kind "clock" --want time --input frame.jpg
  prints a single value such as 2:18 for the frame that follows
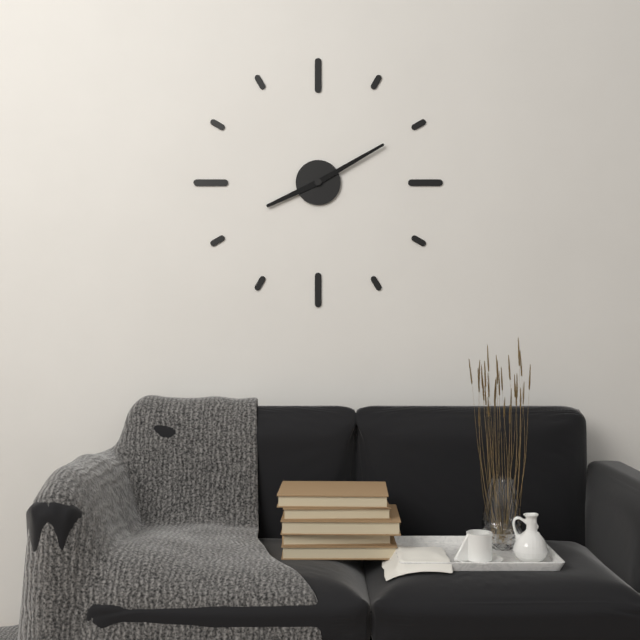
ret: 8:10
